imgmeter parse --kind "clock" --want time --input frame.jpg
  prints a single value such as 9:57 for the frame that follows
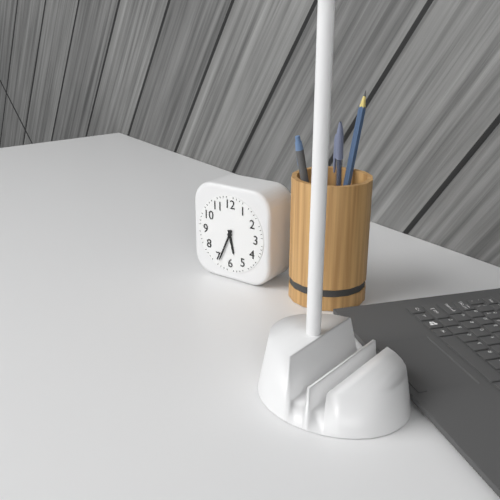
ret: 5:34
